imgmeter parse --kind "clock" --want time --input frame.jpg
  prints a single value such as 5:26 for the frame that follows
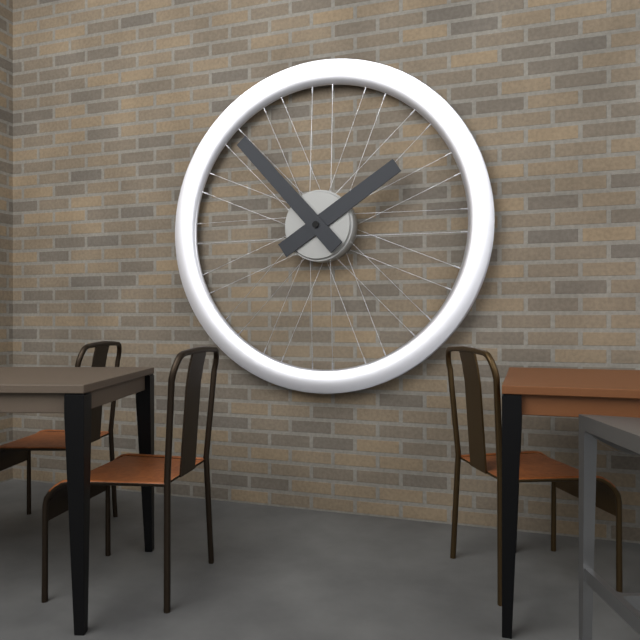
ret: 1:53
